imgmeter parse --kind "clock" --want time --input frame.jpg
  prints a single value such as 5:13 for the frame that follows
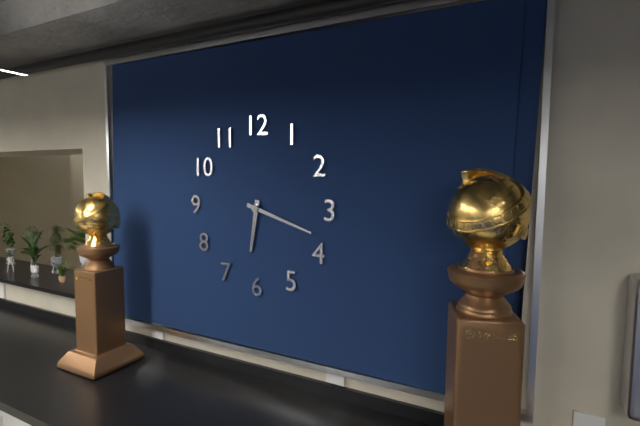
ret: 6:18
